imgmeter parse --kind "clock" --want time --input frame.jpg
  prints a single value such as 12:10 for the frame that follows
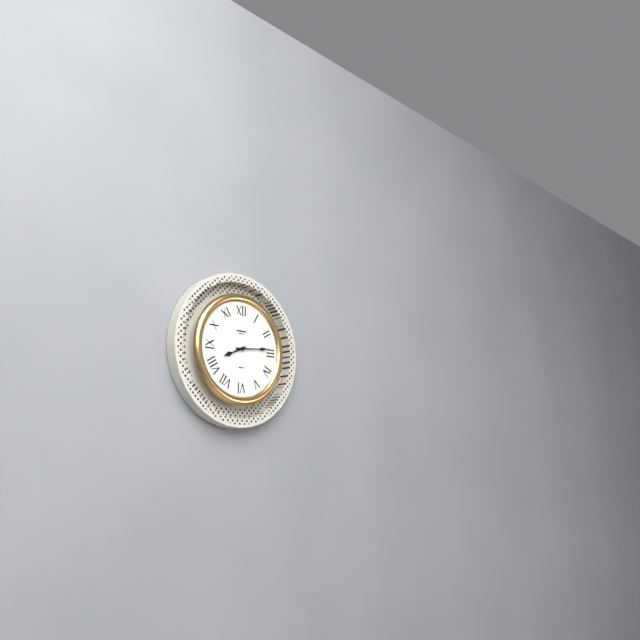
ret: 8:14
